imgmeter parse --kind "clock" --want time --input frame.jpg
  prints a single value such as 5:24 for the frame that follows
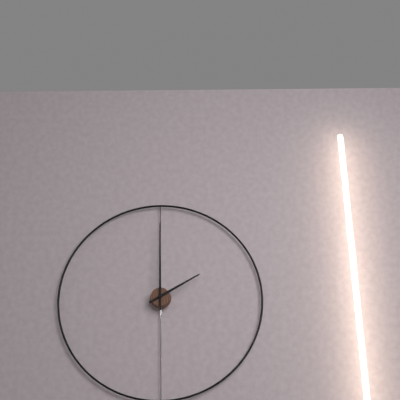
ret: 2:00
